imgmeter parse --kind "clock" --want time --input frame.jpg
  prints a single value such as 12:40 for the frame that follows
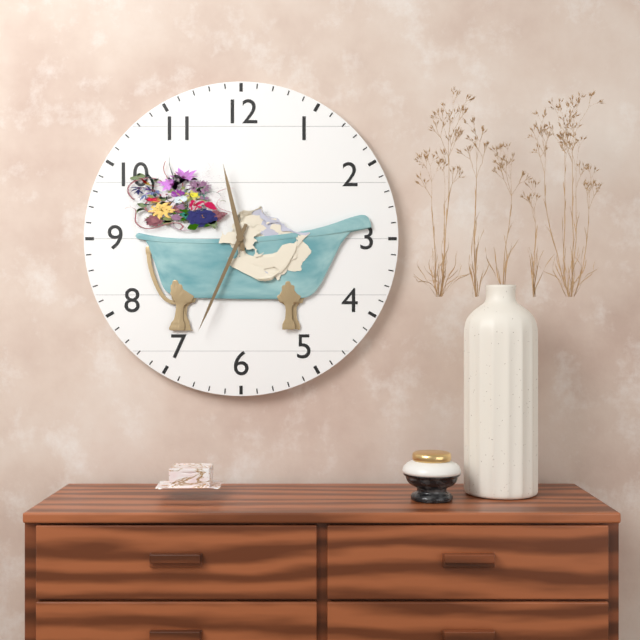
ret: 11:34
